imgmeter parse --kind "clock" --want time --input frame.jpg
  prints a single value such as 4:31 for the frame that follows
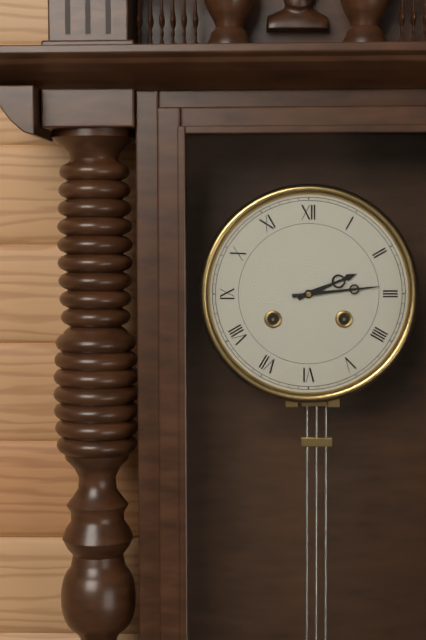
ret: 2:14
